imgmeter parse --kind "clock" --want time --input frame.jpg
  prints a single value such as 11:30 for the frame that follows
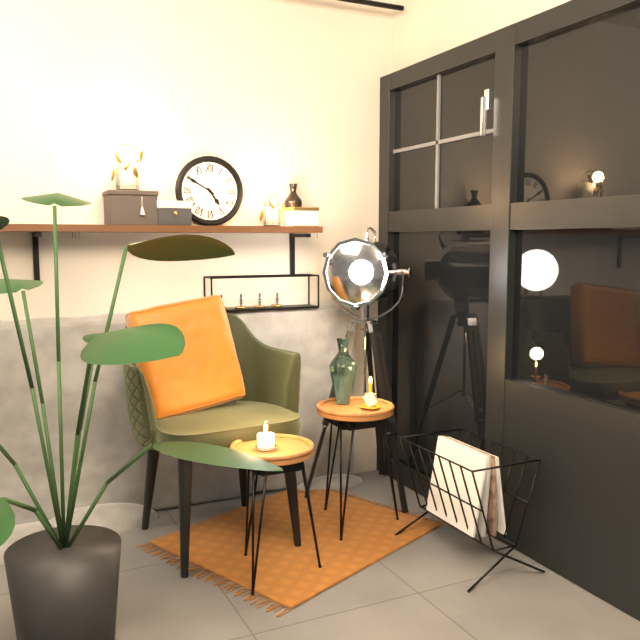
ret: 4:50
